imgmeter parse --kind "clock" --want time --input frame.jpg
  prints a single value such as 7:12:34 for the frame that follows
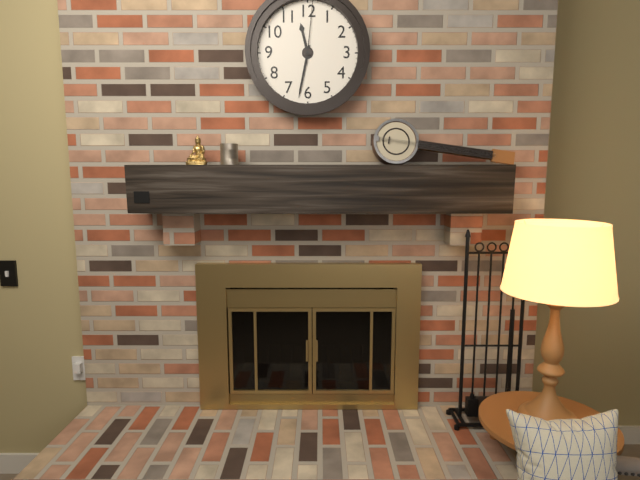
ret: 11:32:01
